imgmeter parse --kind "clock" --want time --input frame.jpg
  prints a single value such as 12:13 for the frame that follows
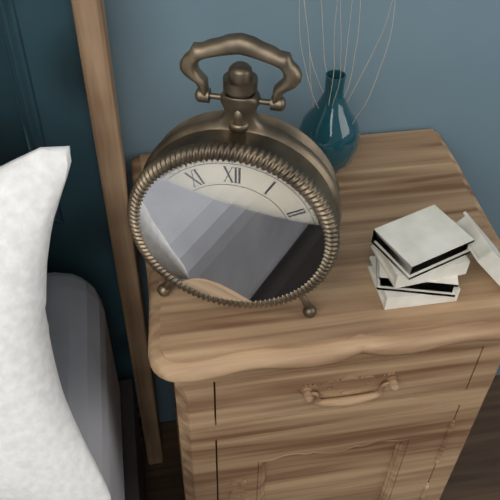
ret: 6:52
